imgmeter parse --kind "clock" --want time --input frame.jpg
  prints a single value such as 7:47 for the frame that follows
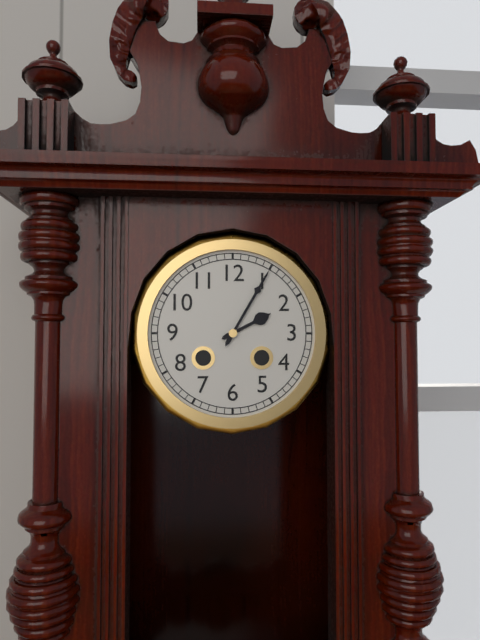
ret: 2:05
